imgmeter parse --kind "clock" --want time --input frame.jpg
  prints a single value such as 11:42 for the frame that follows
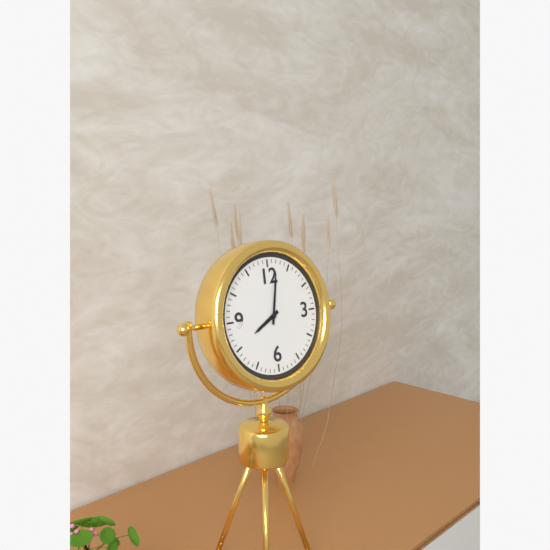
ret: 8:02
